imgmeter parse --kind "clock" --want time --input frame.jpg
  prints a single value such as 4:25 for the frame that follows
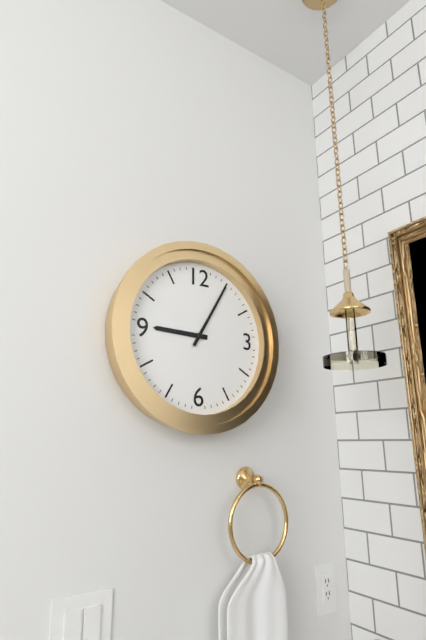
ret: 9:05
